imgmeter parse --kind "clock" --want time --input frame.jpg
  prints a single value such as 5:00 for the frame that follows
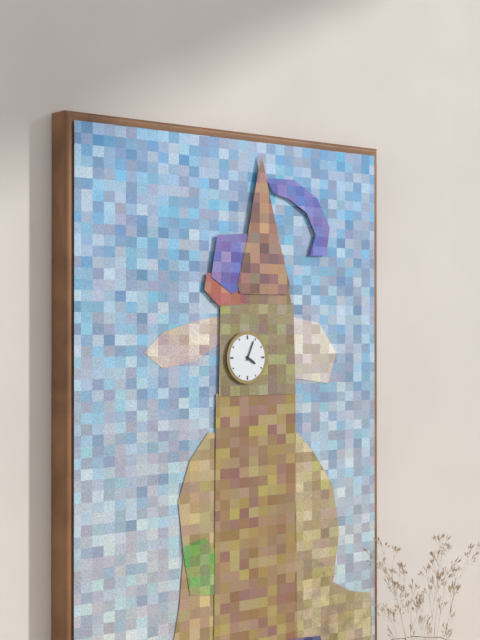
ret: 4:04
